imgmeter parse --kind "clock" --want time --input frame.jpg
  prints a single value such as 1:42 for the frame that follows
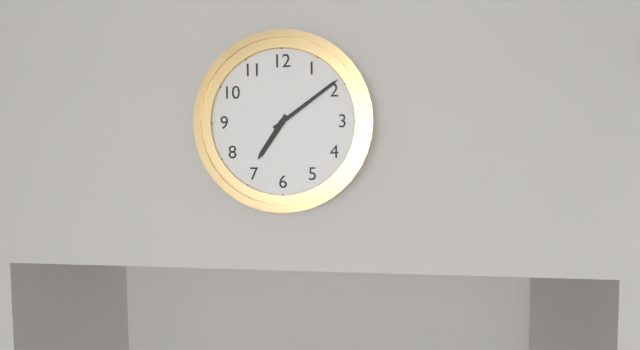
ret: 7:09
